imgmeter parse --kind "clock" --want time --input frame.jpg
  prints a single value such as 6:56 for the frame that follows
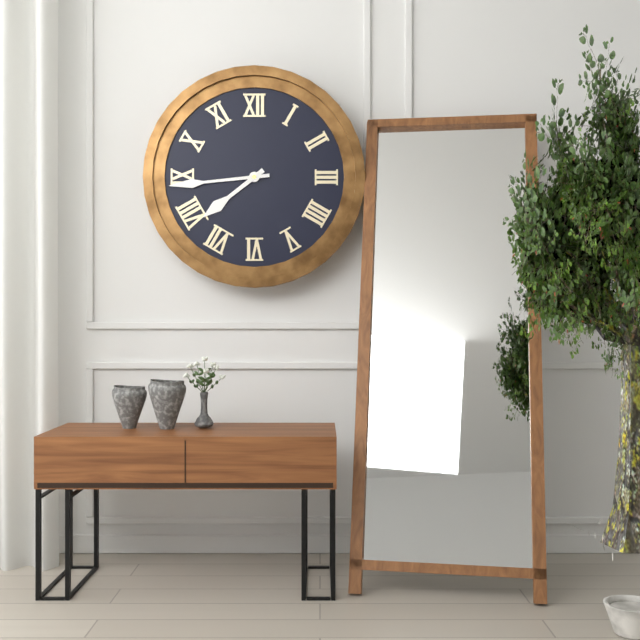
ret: 7:44
